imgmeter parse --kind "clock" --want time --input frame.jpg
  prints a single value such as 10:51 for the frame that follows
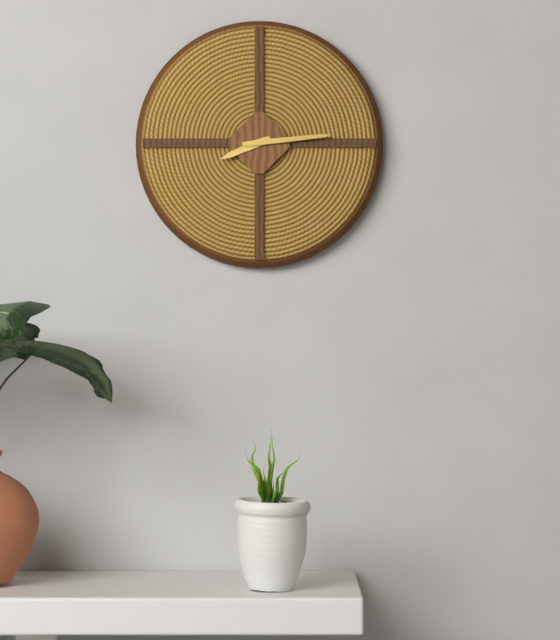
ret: 8:14
